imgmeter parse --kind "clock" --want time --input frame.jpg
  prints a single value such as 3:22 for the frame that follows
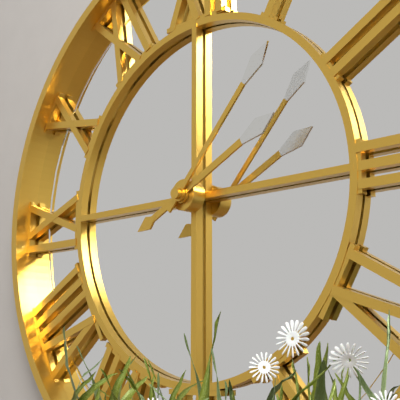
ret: 2:07
